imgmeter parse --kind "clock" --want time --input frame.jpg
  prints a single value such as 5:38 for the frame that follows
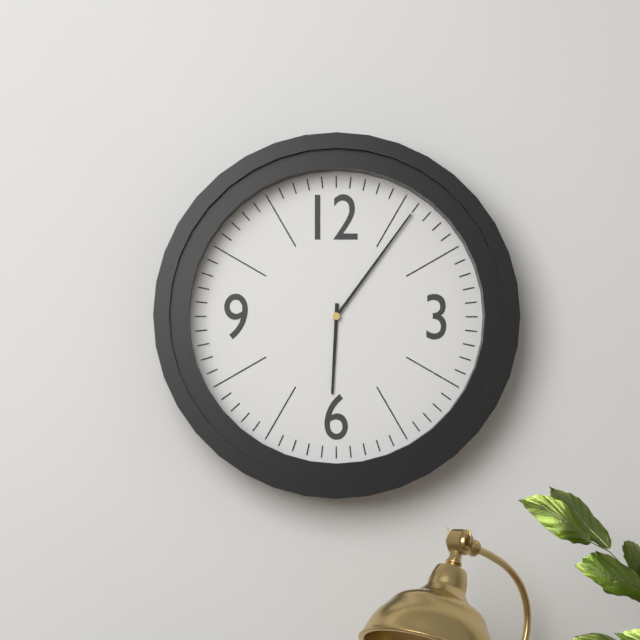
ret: 6:06
